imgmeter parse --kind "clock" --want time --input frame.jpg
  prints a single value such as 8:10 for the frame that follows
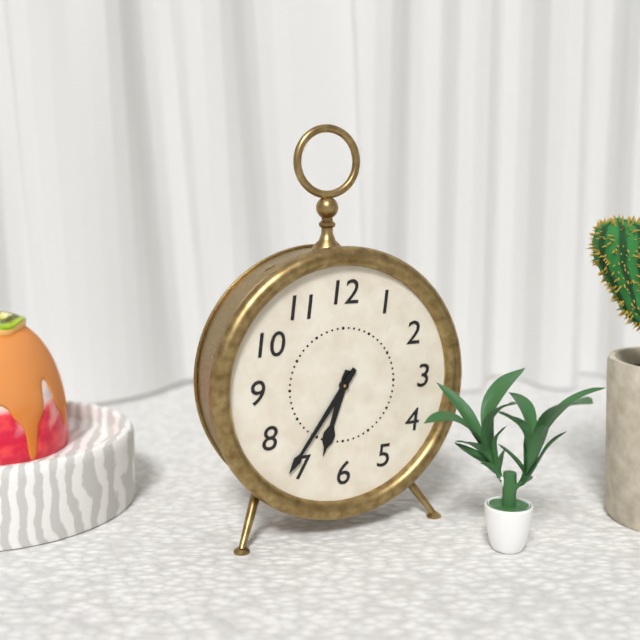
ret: 6:36
